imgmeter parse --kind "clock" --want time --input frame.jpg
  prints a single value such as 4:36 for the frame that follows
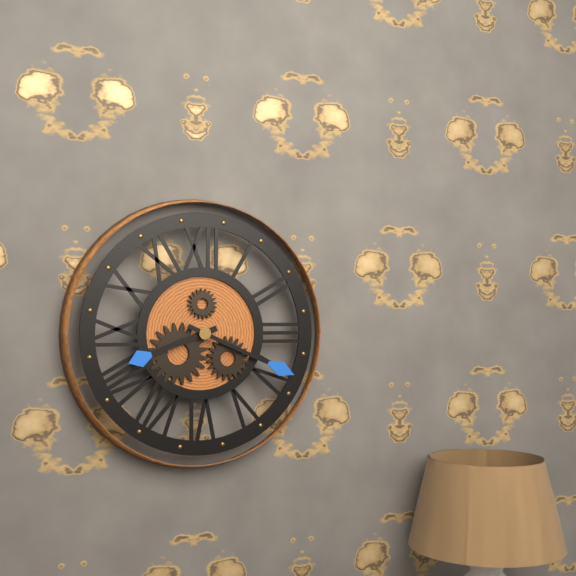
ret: 8:19
